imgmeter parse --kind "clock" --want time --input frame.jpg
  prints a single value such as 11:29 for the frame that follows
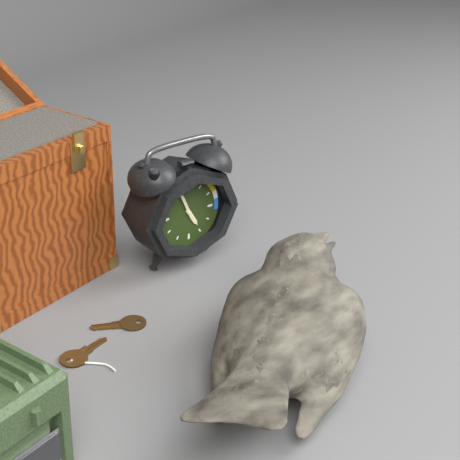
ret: 4:56
